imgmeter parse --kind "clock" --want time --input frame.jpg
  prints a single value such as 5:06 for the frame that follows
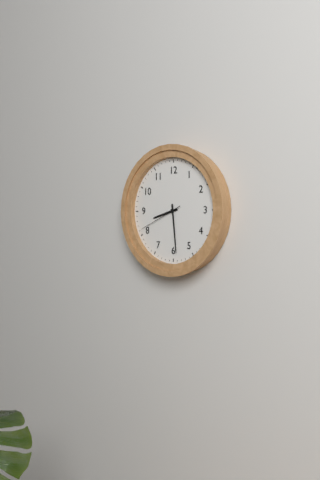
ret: 8:29
